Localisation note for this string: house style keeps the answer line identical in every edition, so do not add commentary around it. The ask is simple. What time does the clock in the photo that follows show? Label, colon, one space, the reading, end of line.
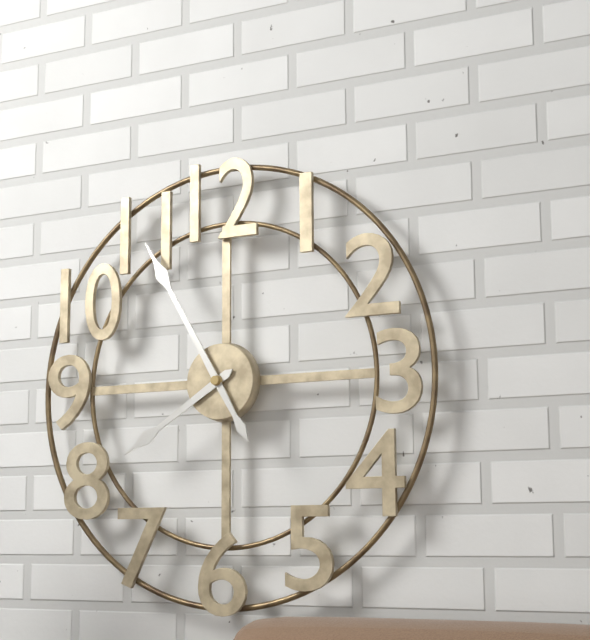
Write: 7:55
